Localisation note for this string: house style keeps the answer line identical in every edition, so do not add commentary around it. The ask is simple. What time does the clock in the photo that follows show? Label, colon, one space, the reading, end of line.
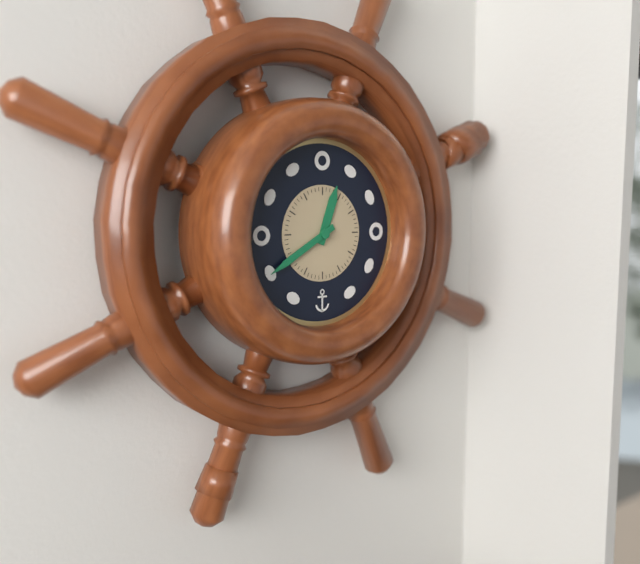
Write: 12:40
